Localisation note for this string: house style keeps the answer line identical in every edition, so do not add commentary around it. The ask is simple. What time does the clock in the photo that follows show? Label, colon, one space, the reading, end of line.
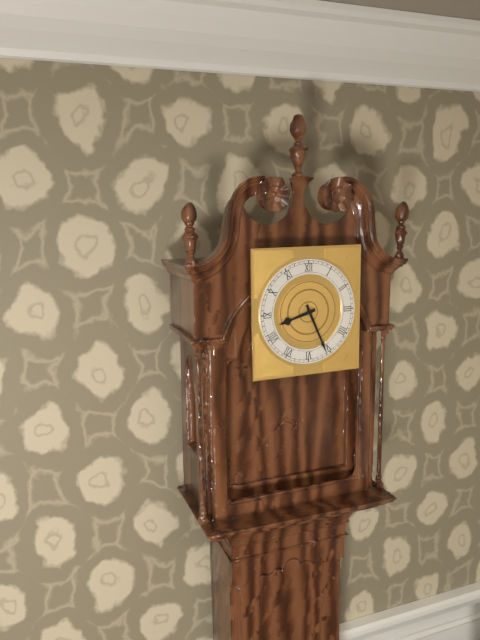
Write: 8:26
